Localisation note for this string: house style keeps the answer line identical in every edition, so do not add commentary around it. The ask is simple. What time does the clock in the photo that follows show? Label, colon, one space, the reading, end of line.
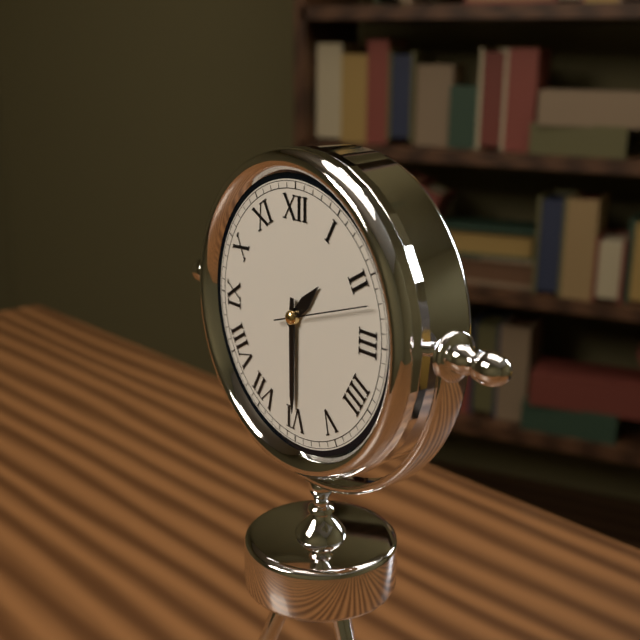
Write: 1:30:12
